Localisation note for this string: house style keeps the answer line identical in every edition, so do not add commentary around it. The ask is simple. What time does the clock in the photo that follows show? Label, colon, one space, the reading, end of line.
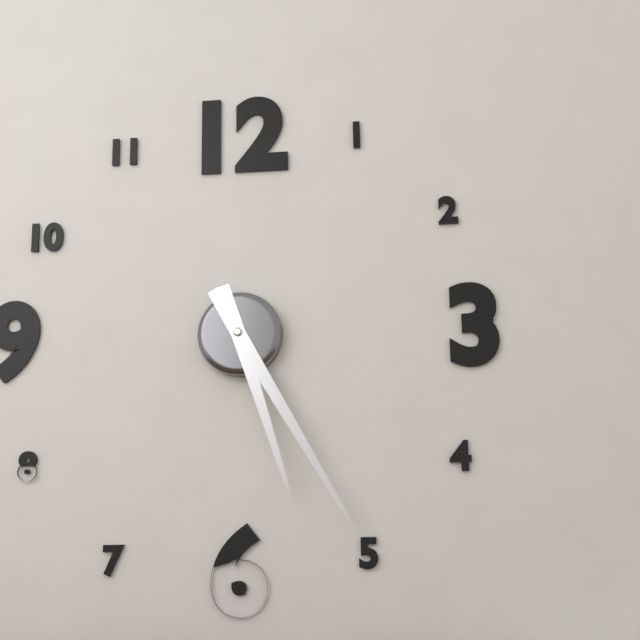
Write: 5:25
